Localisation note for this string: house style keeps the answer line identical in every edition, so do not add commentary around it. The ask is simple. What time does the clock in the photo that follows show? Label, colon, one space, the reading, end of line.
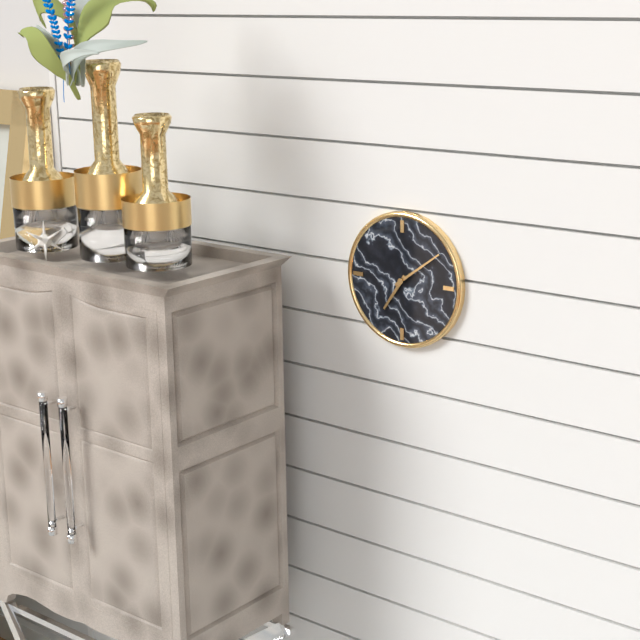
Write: 7:09
